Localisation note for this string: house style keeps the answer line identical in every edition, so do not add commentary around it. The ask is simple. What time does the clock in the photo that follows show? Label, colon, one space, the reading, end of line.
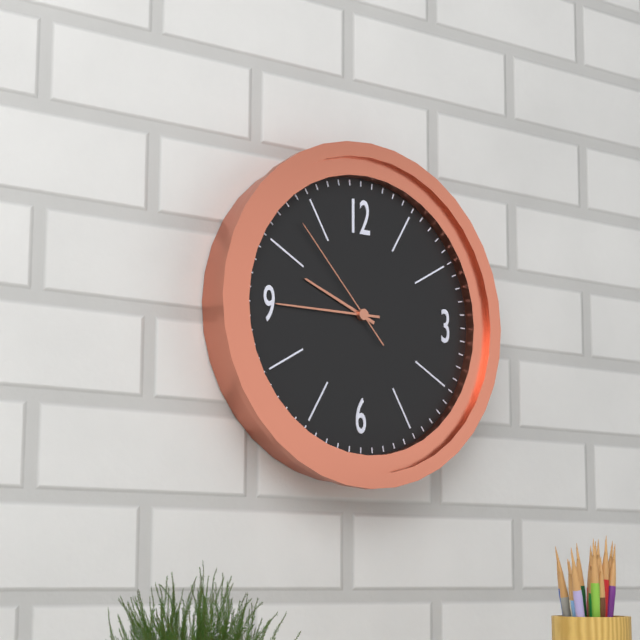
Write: 9:45:53
